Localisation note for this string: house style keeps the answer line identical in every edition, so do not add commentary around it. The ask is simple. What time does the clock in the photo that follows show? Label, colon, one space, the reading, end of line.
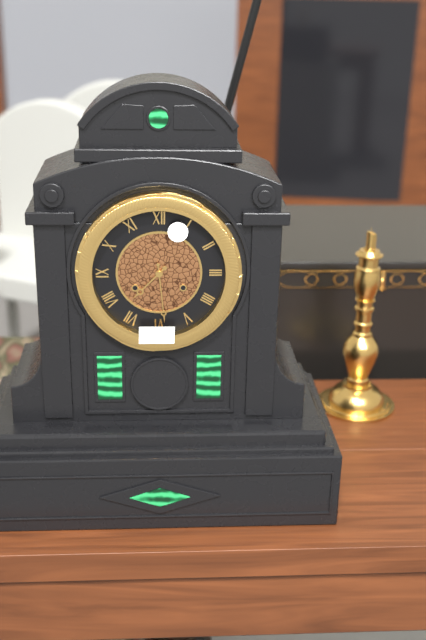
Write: 7:29
